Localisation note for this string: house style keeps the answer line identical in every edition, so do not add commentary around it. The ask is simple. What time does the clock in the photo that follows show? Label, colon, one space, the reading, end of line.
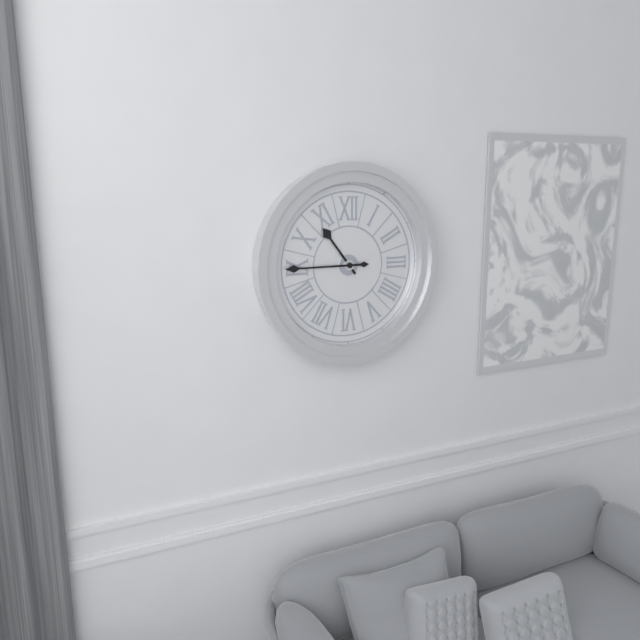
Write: 10:45
